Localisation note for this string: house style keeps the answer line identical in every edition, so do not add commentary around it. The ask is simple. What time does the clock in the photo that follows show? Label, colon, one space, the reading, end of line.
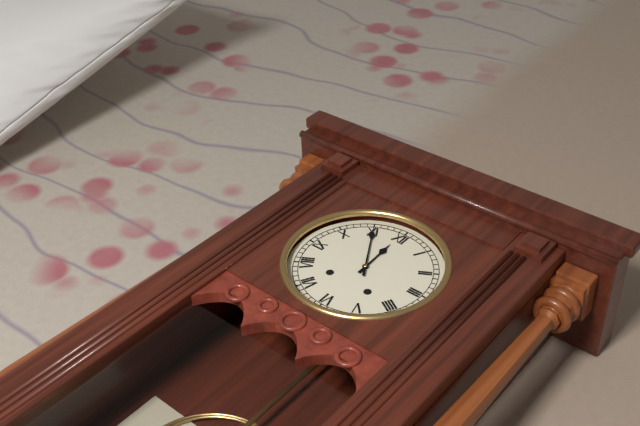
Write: 11:55
